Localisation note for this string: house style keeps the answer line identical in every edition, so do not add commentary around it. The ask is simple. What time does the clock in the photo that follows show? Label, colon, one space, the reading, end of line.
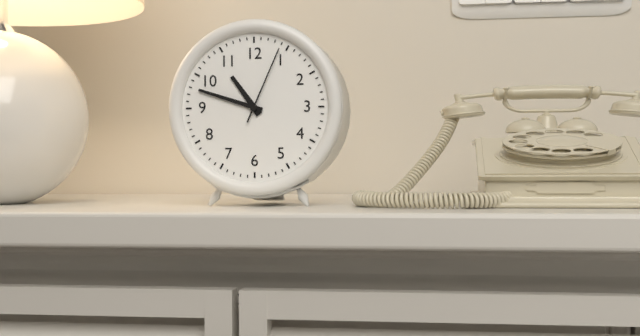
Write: 10:48:04
